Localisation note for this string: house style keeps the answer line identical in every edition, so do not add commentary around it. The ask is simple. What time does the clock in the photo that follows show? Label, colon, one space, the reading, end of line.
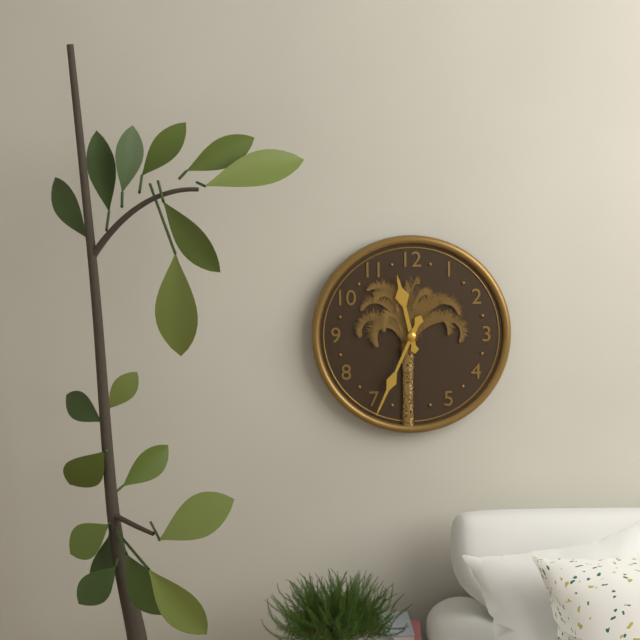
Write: 11:34
